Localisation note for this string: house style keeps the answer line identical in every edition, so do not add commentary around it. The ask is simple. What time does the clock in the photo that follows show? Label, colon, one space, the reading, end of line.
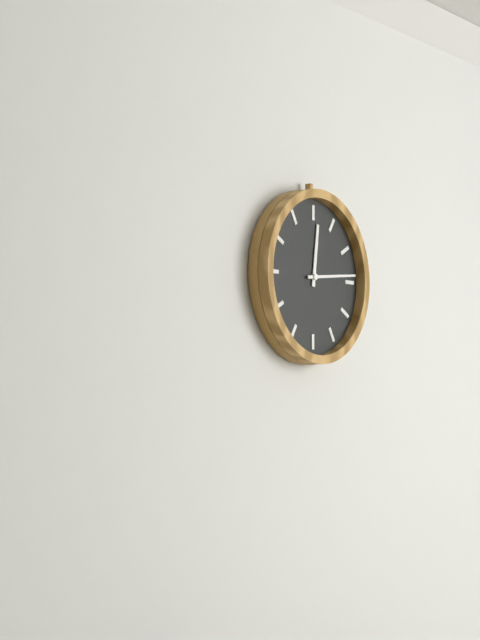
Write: 12:14
